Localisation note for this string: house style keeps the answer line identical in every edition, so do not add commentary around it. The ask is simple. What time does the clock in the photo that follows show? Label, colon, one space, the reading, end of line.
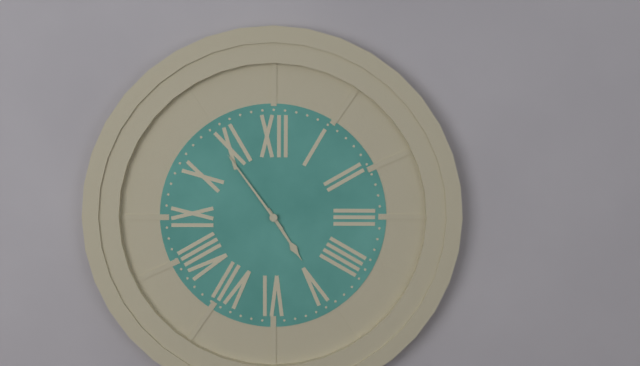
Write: 4:54
